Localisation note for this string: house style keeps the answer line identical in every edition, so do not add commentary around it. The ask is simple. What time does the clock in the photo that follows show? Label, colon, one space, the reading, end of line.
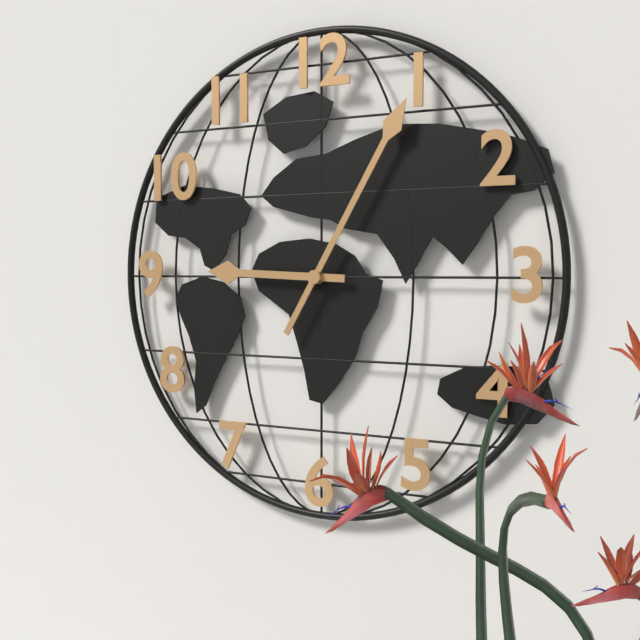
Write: 9:05
